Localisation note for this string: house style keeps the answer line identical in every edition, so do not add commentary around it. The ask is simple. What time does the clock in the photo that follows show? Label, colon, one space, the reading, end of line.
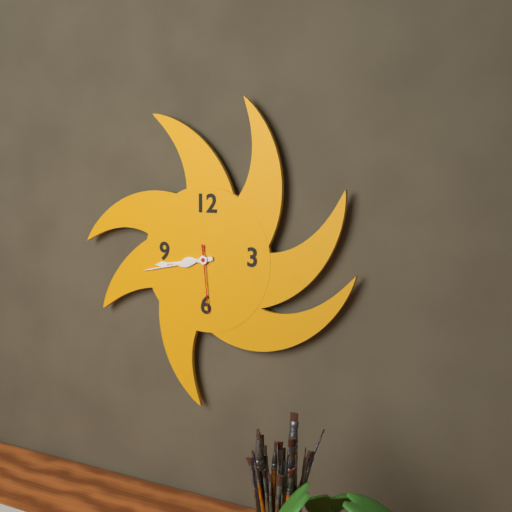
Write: 8:43:29
